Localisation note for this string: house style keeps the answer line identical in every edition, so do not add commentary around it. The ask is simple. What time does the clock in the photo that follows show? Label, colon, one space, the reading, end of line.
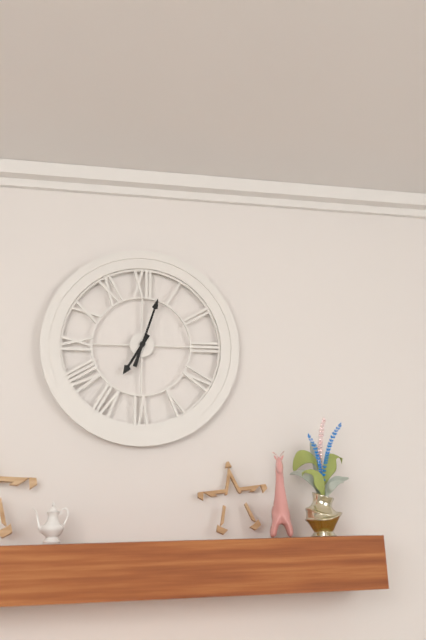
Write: 7:03
